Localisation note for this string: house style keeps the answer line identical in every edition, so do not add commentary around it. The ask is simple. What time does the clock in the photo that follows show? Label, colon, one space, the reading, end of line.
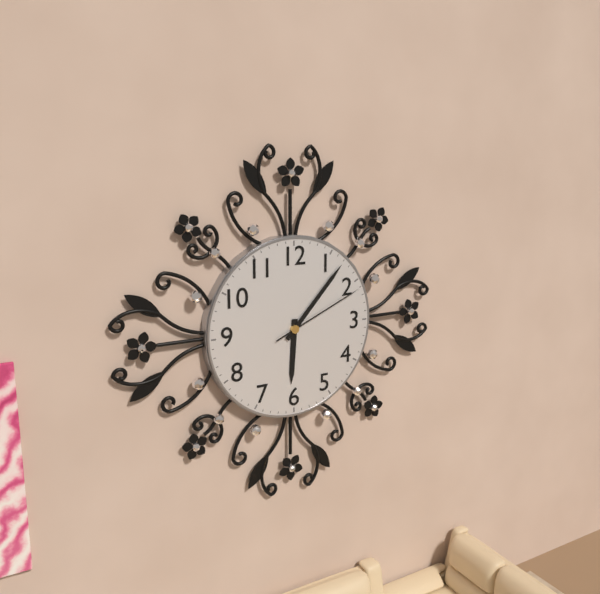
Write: 6:07:11
